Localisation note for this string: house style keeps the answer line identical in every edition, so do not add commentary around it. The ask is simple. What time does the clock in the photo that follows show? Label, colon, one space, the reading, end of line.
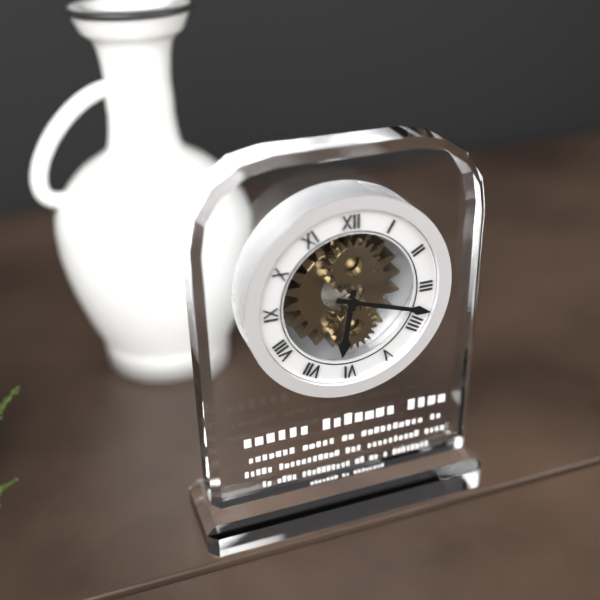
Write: 6:18
